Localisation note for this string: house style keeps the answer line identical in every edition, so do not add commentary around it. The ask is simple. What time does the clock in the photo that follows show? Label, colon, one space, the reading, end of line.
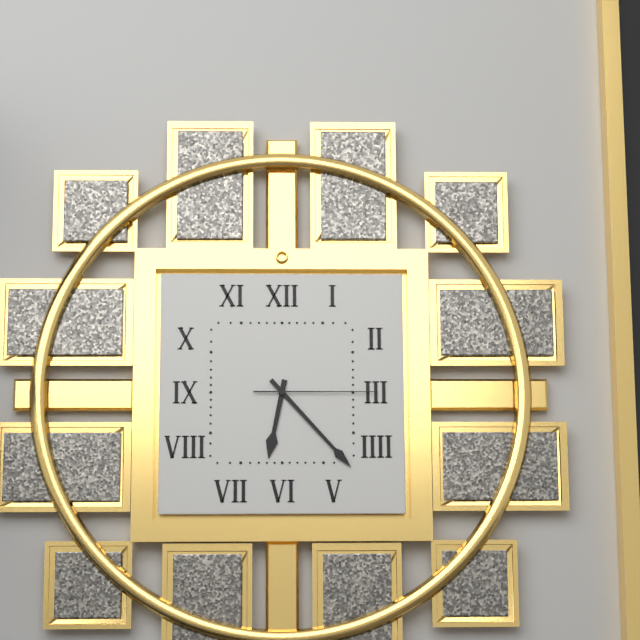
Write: 6:23:15
